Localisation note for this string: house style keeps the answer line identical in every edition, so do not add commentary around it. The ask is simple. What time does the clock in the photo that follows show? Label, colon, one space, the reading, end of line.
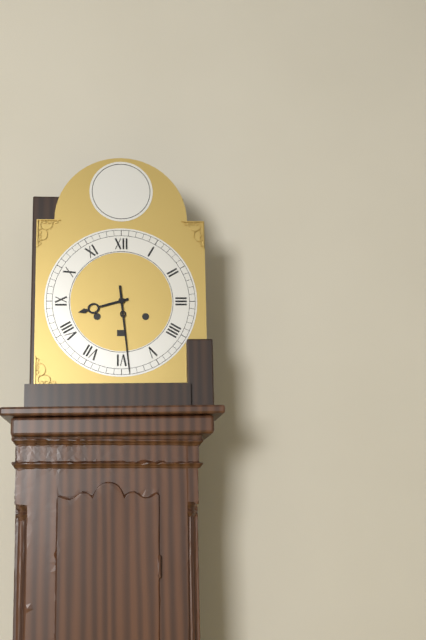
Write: 8:29
